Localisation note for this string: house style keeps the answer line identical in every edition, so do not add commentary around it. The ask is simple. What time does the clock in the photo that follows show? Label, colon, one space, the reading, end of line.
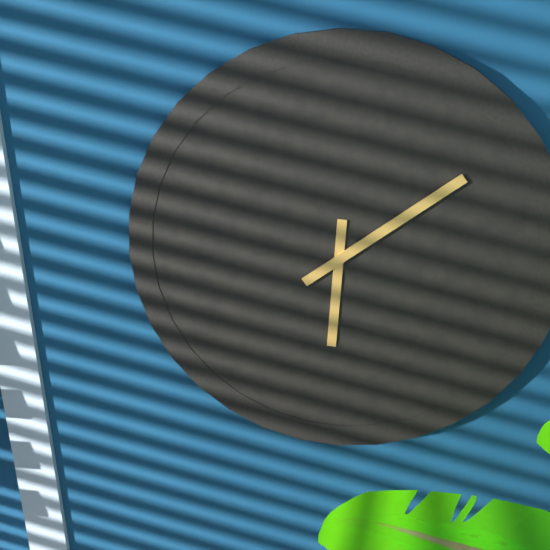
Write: 6:09
